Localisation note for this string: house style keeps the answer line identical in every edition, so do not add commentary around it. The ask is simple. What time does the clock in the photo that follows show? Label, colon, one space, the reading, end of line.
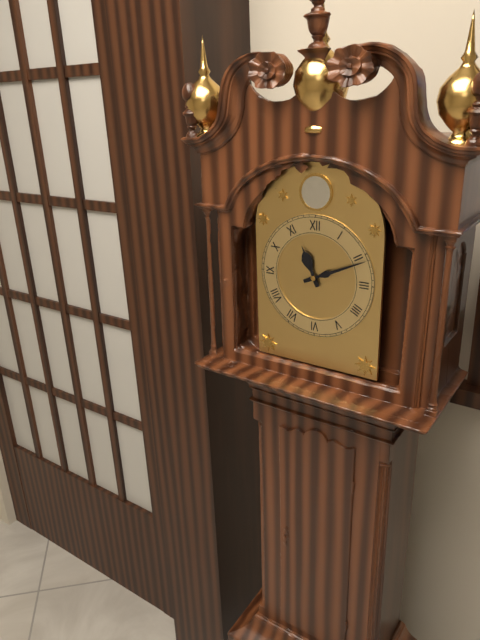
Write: 11:11
